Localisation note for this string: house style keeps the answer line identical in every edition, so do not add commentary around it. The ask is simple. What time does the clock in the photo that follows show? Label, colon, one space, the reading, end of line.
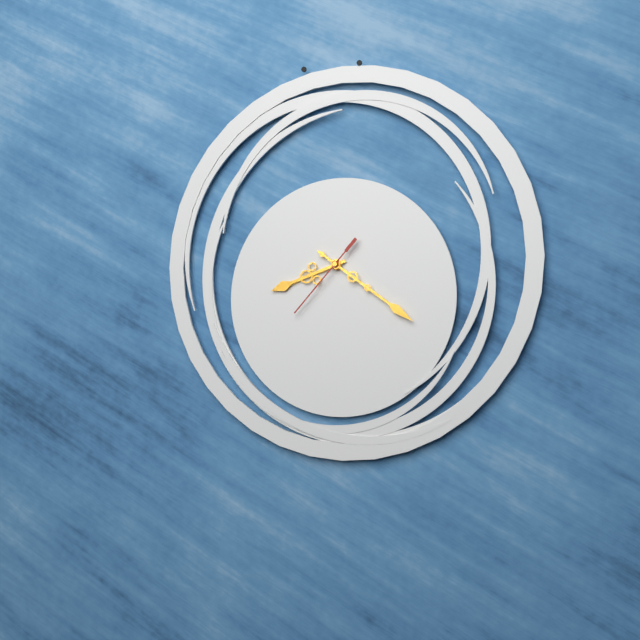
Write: 8:21:37
